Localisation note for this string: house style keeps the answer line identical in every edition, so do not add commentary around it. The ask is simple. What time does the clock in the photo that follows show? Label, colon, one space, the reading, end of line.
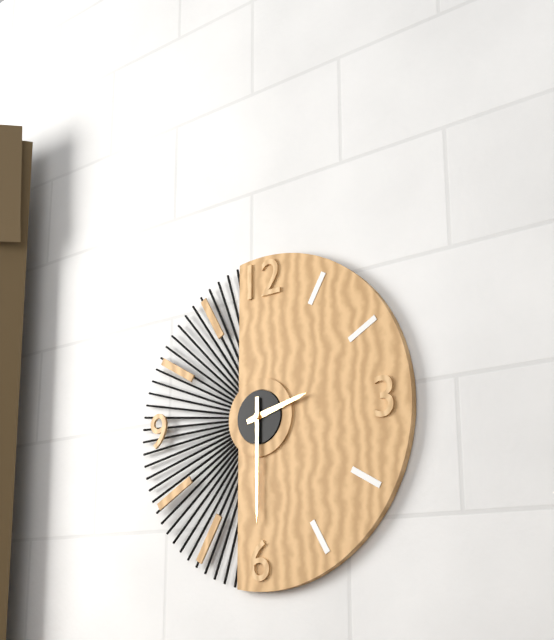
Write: 2:30
